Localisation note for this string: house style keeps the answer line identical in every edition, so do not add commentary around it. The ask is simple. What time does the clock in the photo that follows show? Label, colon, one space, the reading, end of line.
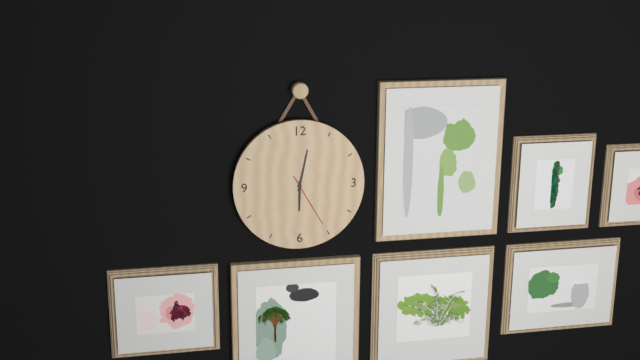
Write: 6:02:25
